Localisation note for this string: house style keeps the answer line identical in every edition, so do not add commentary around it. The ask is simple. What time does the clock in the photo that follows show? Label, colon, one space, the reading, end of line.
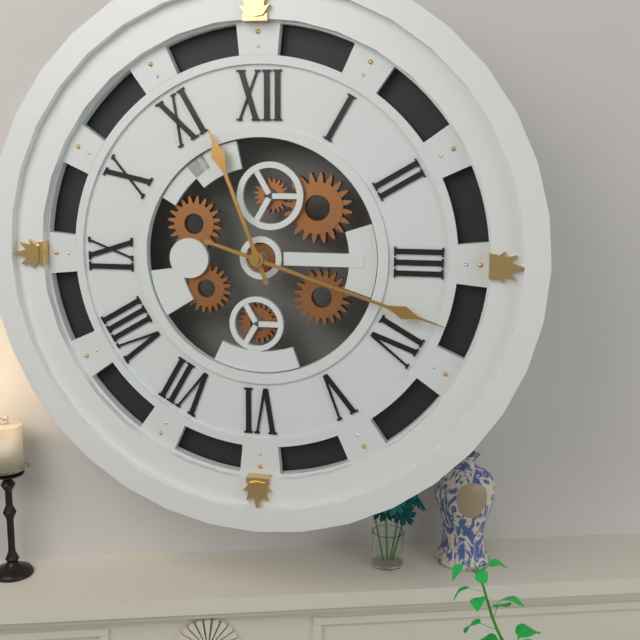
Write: 11:18
